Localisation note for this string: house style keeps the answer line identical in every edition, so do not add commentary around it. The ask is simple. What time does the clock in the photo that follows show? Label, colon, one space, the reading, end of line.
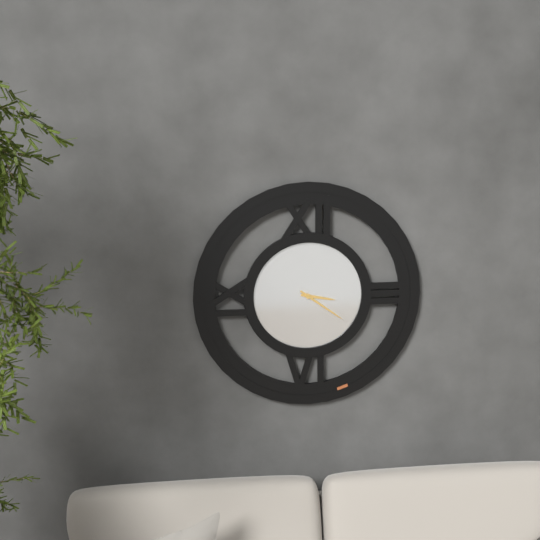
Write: 3:21
